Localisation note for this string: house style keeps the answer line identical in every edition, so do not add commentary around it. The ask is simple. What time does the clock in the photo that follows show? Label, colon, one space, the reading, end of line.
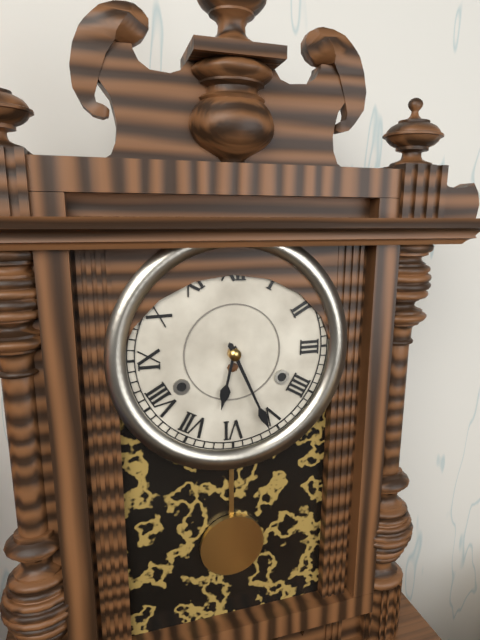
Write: 6:26
